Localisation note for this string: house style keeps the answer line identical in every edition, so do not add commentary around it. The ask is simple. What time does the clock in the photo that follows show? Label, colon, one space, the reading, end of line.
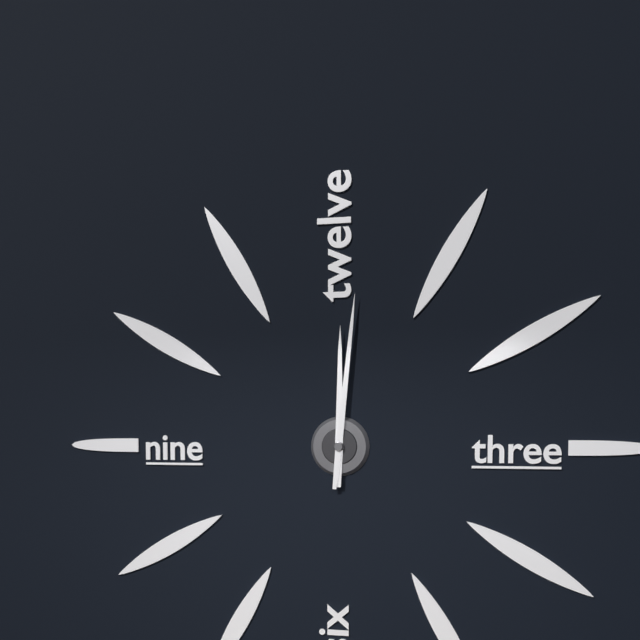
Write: 12:01
